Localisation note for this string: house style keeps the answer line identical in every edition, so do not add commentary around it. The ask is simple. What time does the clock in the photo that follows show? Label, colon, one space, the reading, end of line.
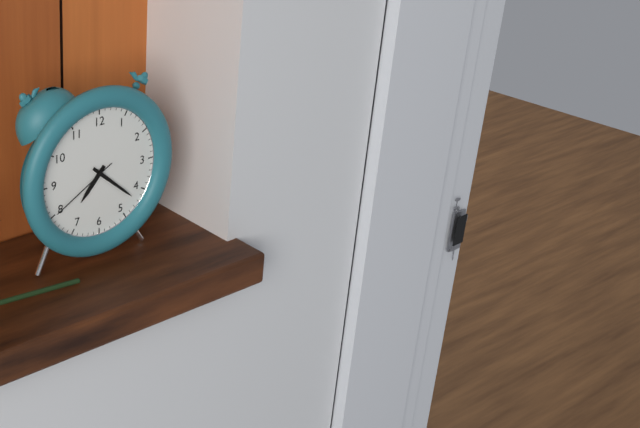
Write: 7:22:40
